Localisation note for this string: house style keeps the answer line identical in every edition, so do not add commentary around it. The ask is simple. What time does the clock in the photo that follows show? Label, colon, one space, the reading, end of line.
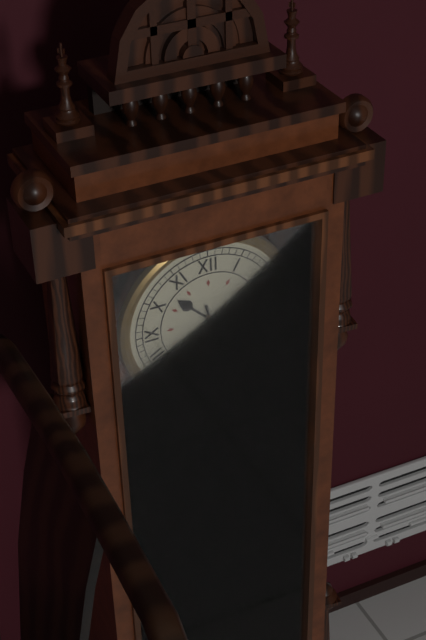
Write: 10:28
